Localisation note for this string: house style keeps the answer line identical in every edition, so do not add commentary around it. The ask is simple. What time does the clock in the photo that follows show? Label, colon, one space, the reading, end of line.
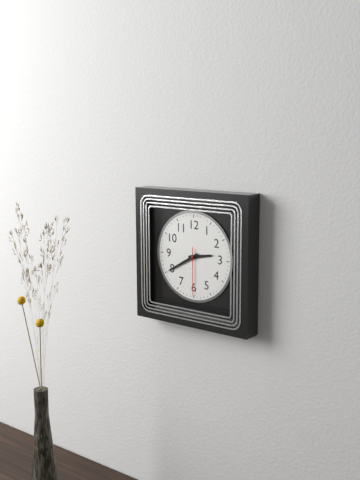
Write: 2:40
